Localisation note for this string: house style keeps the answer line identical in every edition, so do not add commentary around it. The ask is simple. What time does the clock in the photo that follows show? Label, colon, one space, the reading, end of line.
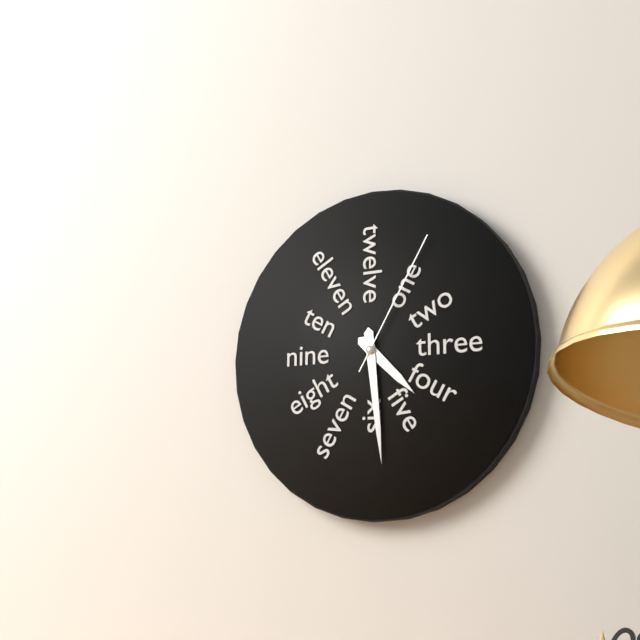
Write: 4:29:05
